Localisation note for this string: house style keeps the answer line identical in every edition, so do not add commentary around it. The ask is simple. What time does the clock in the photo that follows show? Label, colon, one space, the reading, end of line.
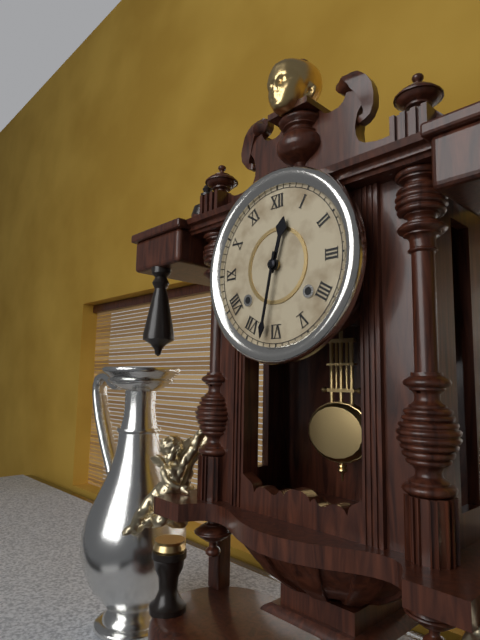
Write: 12:32
